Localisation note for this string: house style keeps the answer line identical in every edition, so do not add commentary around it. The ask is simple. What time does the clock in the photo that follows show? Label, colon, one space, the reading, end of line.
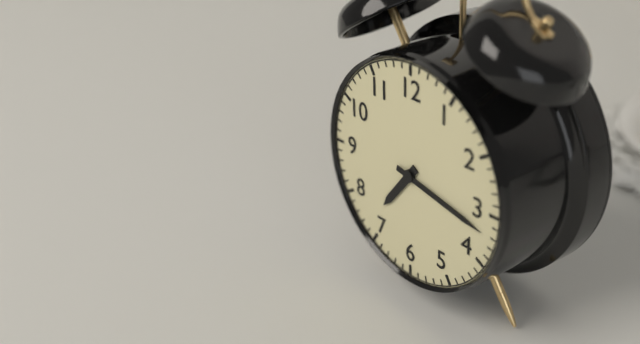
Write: 7:17
